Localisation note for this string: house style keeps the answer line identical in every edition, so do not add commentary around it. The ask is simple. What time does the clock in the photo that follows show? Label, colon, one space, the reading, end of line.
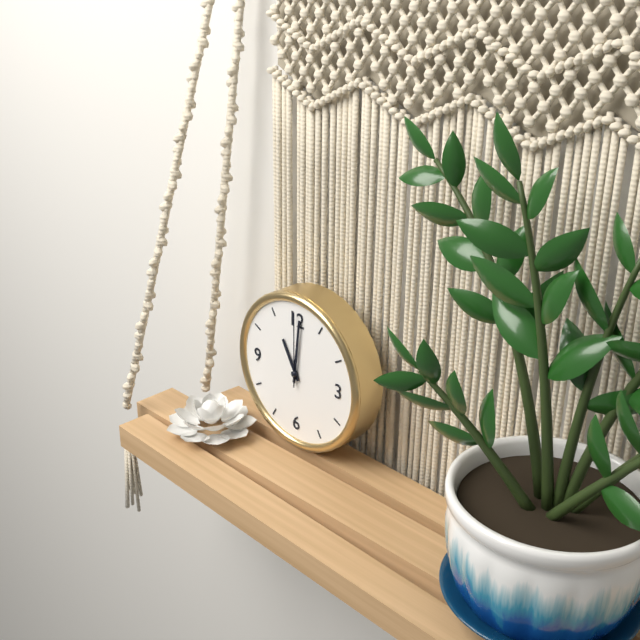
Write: 11:01:00
